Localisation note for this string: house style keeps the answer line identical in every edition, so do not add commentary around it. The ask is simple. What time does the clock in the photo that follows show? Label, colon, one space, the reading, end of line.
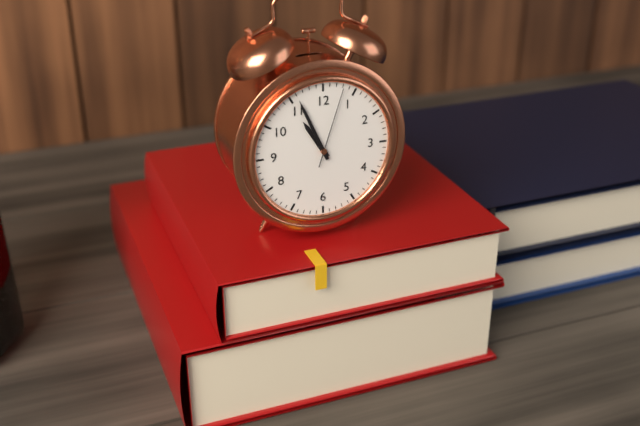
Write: 10:56:03
